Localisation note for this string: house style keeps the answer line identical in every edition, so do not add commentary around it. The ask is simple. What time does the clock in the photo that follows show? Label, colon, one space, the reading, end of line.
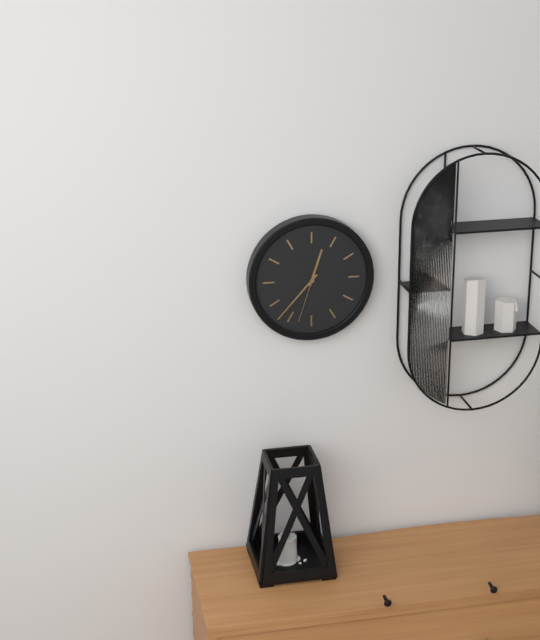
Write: 12:37:33
